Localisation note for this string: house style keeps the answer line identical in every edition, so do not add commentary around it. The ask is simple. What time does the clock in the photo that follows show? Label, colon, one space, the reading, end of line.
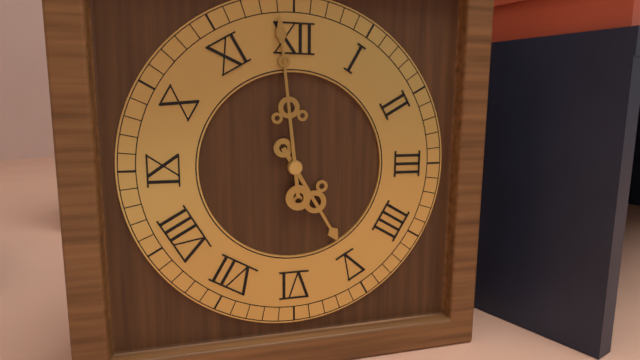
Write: 4:59
